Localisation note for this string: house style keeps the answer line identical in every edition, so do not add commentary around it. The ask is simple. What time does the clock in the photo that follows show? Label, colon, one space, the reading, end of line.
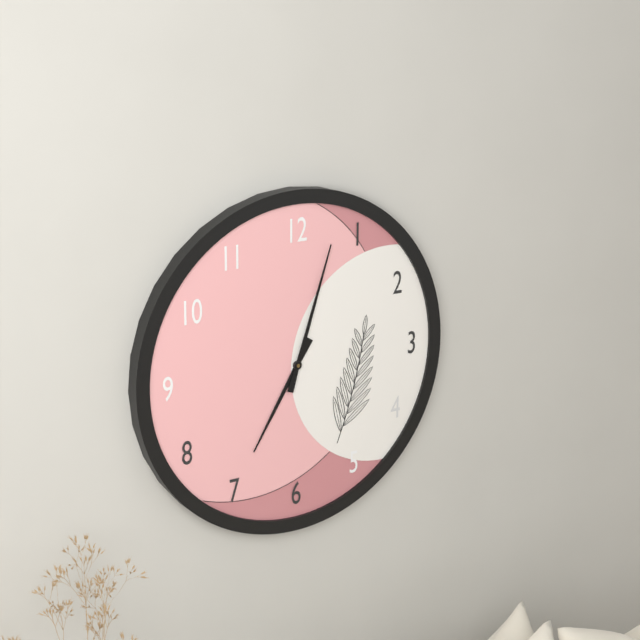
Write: 7:03
